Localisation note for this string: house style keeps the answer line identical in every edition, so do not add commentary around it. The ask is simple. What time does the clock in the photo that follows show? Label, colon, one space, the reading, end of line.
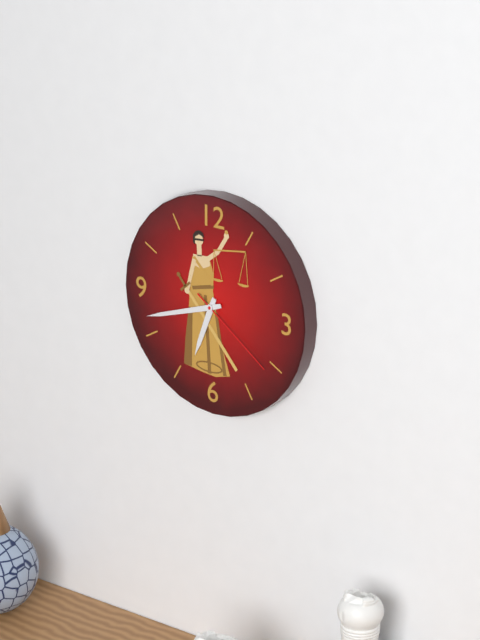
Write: 6:42:21
